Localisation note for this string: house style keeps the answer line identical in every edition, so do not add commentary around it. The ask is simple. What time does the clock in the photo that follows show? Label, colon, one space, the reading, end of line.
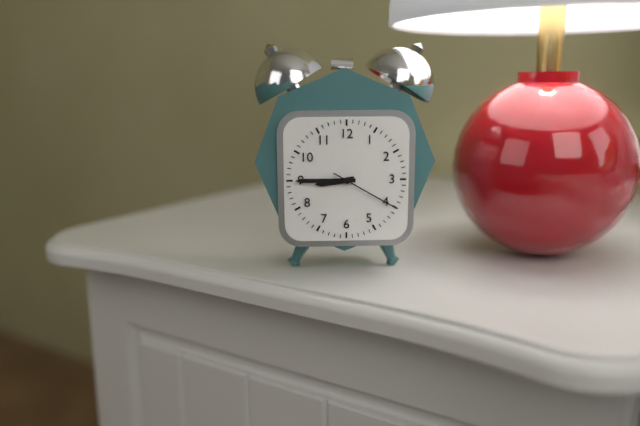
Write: 8:45:20
